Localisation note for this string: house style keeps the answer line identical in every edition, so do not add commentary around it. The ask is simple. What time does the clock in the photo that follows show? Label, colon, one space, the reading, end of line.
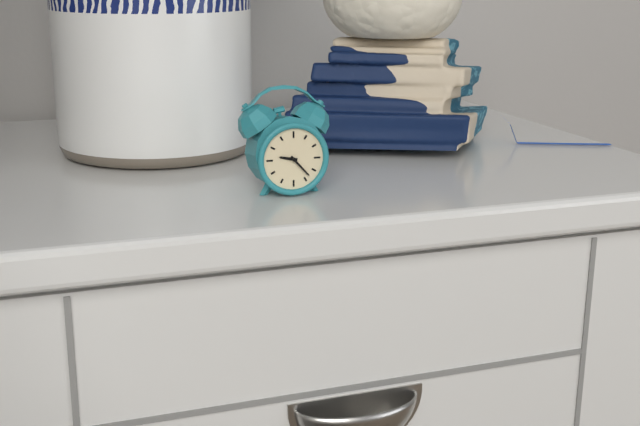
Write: 9:23
